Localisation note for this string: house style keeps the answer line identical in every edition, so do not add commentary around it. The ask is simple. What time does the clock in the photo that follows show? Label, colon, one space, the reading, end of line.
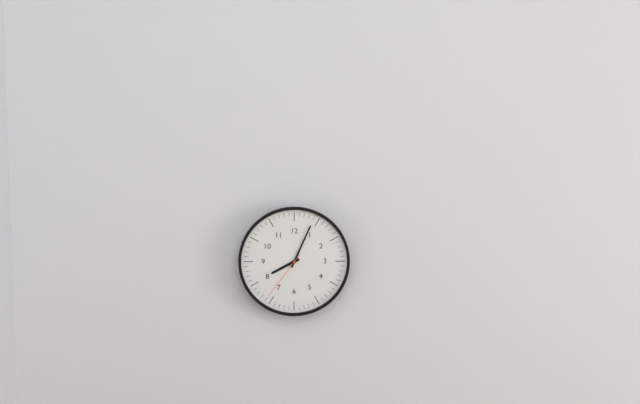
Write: 8:04:36
